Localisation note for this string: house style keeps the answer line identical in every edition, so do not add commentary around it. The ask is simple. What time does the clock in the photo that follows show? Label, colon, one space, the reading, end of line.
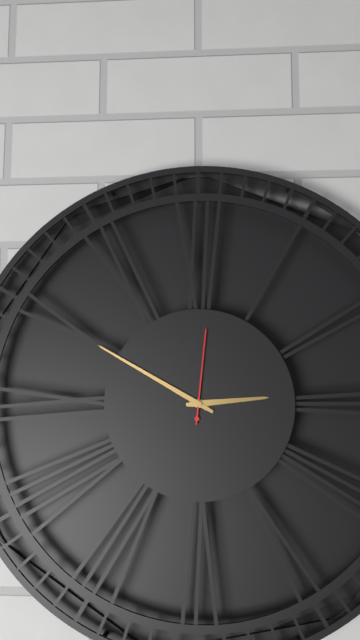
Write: 2:50:01
